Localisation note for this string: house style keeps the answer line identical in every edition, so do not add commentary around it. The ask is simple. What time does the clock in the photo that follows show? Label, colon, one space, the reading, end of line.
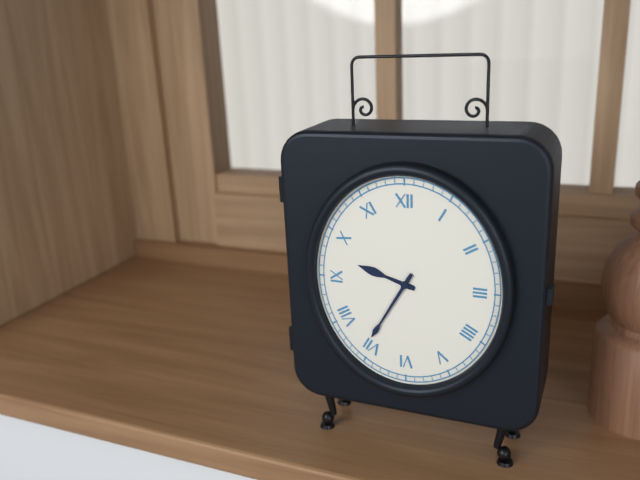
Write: 9:35
